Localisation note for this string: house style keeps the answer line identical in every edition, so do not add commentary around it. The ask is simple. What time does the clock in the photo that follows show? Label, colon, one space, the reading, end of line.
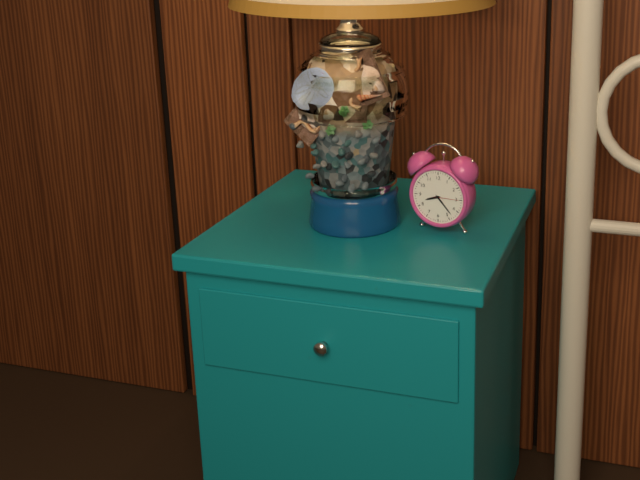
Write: 8:23
